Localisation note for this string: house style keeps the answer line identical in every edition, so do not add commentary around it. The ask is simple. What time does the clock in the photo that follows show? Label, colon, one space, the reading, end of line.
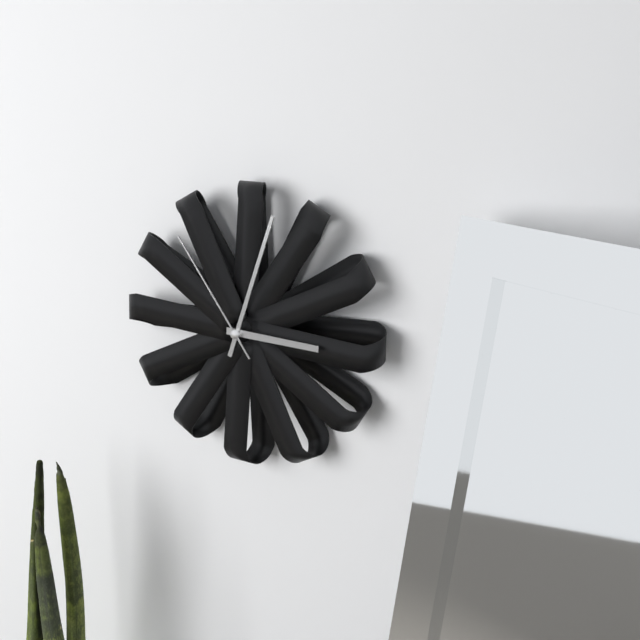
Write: 3:03:54
